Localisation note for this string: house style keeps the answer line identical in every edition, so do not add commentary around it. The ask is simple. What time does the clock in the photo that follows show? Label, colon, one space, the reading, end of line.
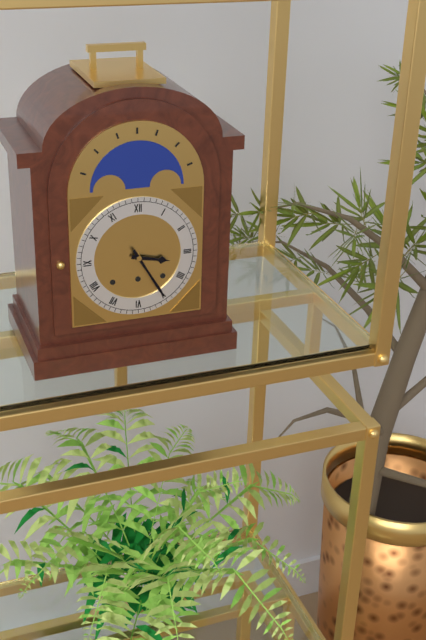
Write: 3:25
